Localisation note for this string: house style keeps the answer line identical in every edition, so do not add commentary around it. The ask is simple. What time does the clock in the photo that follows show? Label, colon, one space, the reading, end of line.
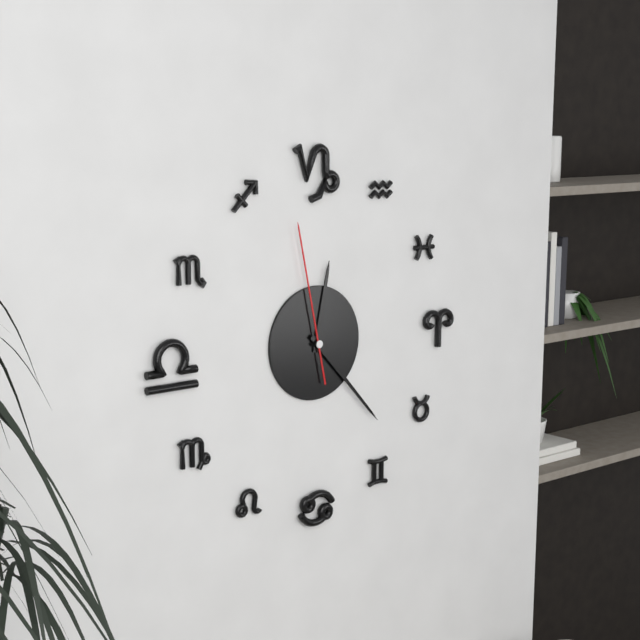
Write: 12:23:58
